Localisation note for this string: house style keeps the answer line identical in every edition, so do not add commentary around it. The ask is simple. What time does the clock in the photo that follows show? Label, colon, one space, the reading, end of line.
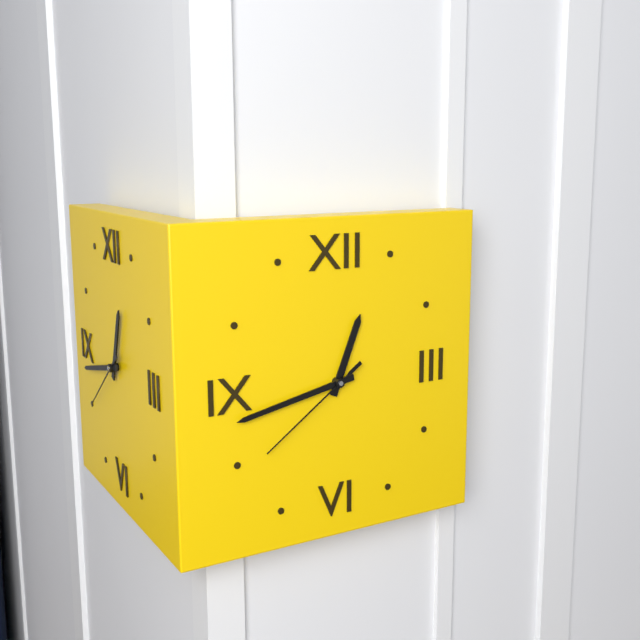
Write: 12:43:39
